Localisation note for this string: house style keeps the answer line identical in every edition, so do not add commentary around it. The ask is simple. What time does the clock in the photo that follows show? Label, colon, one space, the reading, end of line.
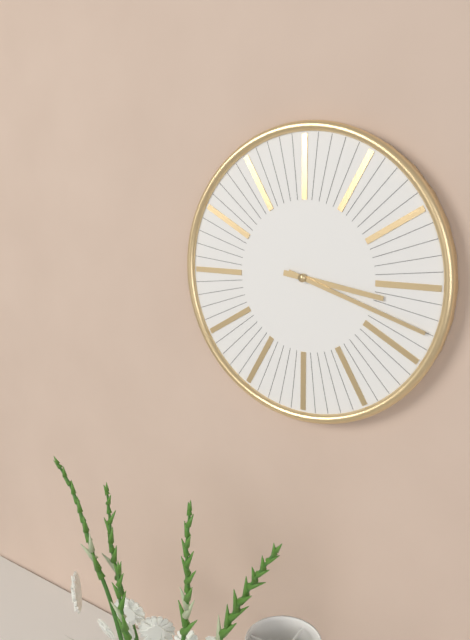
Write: 3:18
